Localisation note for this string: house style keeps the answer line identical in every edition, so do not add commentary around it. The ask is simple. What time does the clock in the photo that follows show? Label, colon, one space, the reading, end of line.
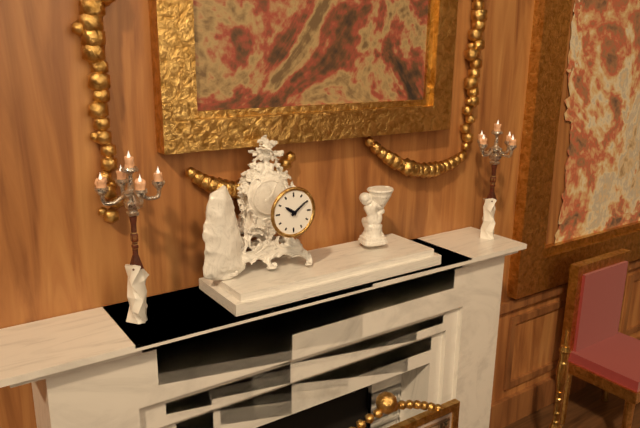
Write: 10:09
